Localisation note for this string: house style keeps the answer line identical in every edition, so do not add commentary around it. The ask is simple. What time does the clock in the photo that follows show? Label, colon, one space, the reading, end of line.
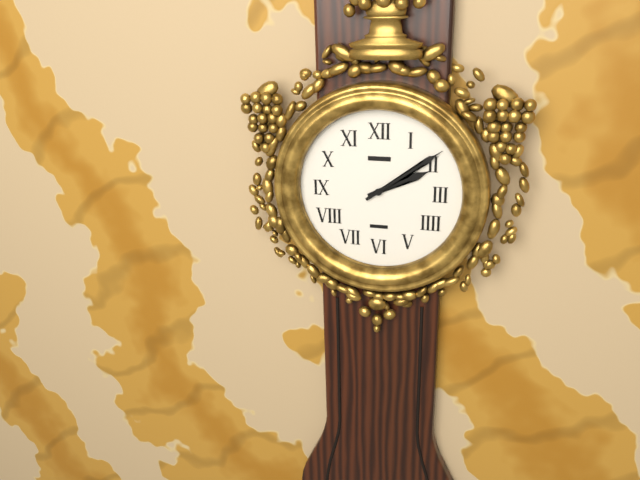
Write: 2:09
